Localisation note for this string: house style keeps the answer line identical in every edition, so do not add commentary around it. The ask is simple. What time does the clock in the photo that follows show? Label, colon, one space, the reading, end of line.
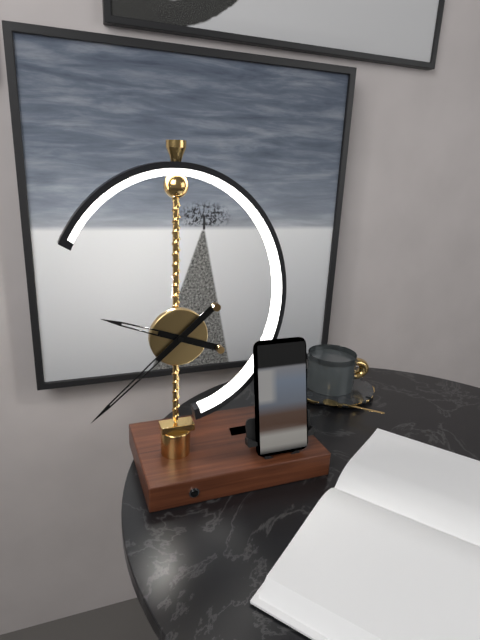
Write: 9:38
